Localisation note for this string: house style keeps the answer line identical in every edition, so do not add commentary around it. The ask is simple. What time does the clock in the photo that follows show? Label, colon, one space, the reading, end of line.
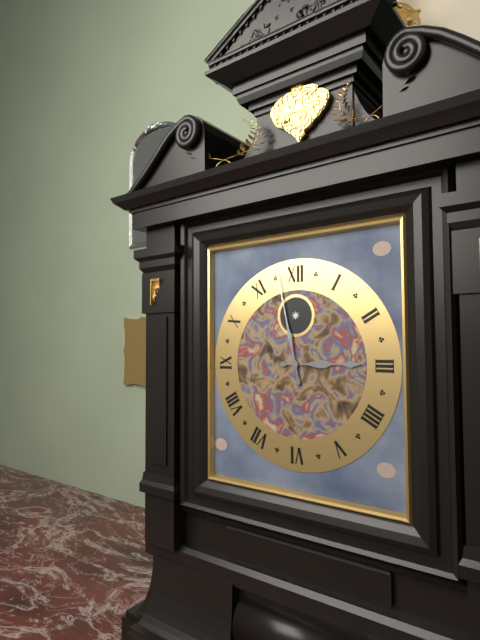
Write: 2:58
